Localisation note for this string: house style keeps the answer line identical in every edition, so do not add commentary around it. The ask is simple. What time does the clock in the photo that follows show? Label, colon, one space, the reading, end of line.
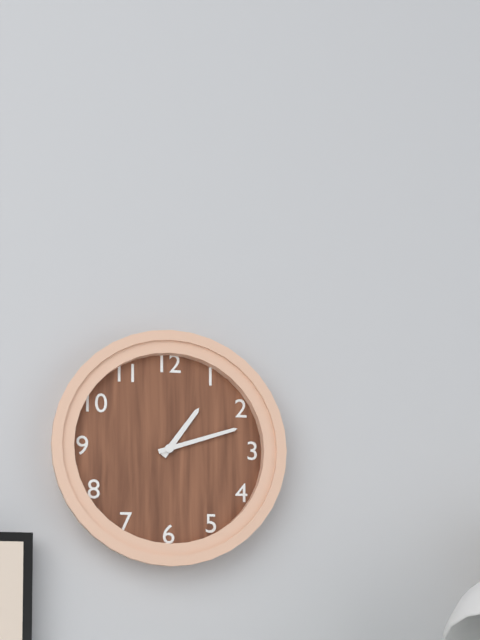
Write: 1:12
